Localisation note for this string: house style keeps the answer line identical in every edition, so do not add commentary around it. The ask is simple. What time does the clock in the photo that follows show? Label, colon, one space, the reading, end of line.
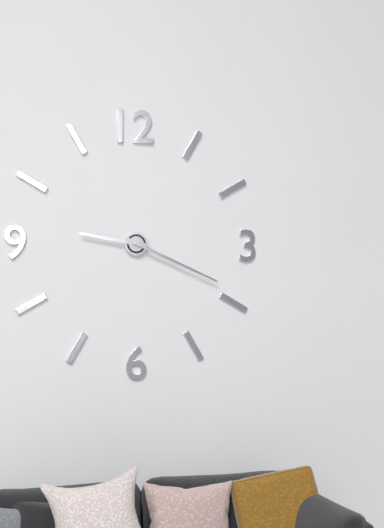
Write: 9:19
